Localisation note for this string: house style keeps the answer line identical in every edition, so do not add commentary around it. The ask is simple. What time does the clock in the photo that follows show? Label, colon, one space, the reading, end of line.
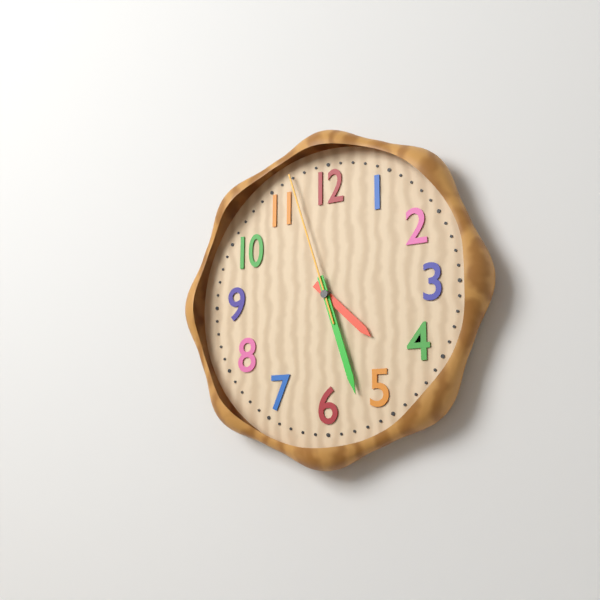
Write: 4:27:57
